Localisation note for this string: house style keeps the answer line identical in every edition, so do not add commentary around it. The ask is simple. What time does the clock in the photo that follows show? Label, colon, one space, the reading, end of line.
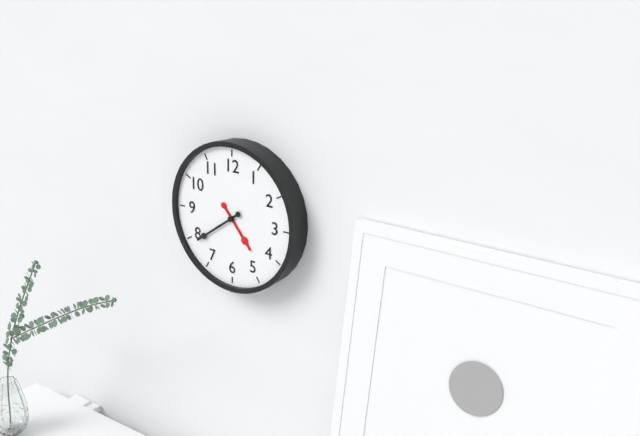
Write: 4:39
